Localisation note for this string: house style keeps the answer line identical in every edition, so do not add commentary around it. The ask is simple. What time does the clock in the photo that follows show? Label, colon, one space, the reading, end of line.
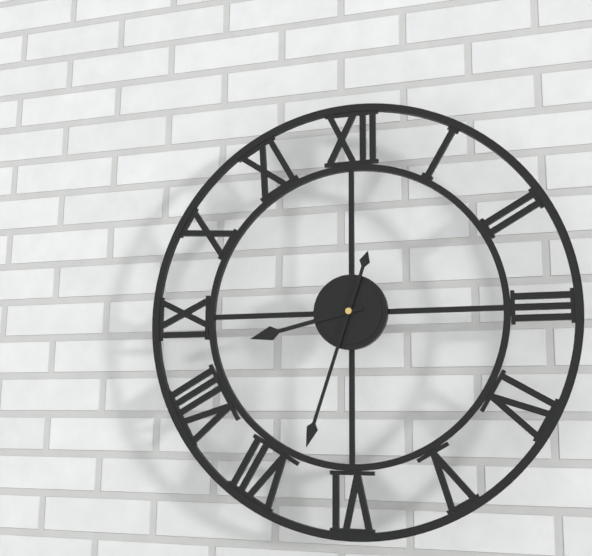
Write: 8:33
